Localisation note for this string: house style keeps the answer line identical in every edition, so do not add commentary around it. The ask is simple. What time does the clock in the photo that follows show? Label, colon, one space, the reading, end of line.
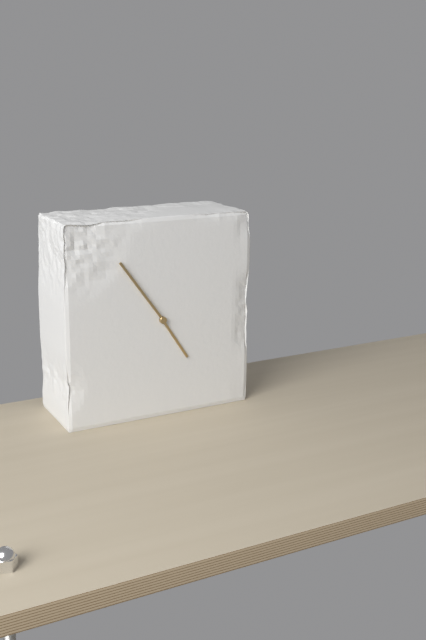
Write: 4:54
